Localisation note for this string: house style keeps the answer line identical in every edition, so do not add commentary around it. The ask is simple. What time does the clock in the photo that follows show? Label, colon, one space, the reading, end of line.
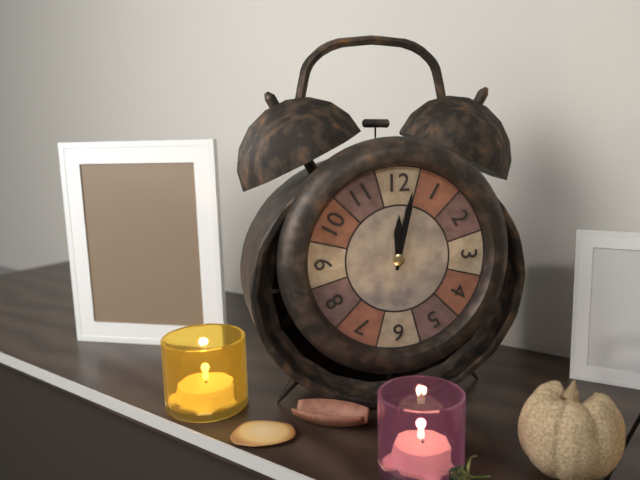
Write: 12:02
